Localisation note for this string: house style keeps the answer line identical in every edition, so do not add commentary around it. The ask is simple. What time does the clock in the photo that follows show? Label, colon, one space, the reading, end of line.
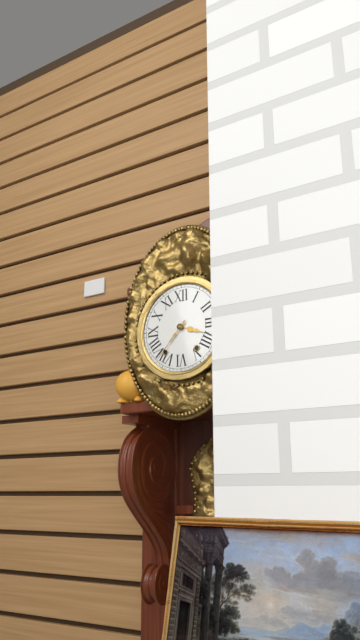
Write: 3:37
